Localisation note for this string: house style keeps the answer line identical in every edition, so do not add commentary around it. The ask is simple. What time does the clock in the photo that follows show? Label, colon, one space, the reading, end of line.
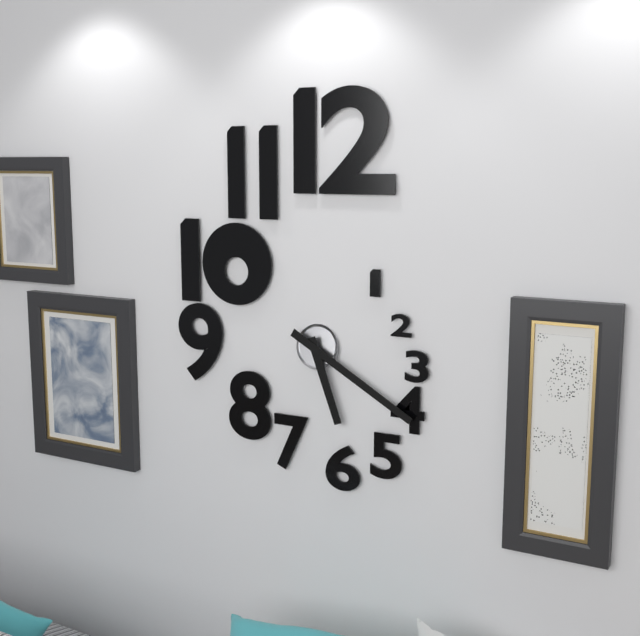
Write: 5:20
